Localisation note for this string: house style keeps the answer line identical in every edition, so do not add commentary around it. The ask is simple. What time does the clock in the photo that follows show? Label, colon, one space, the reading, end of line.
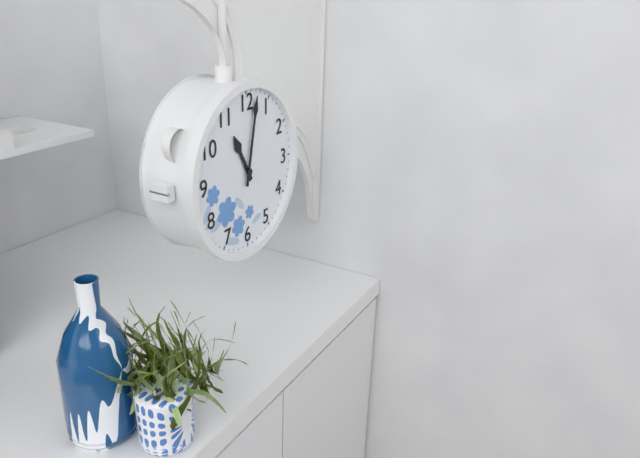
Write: 11:02
